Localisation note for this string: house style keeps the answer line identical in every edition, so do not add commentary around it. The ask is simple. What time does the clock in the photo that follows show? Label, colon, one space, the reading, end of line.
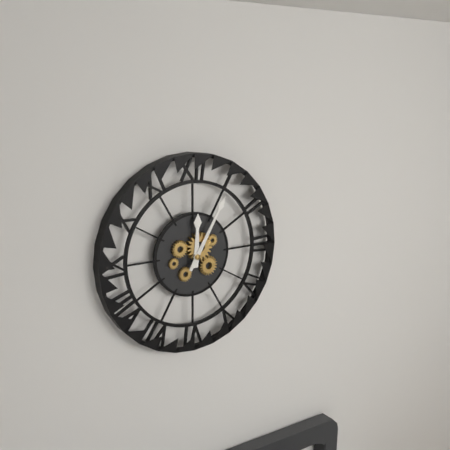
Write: 12:05
